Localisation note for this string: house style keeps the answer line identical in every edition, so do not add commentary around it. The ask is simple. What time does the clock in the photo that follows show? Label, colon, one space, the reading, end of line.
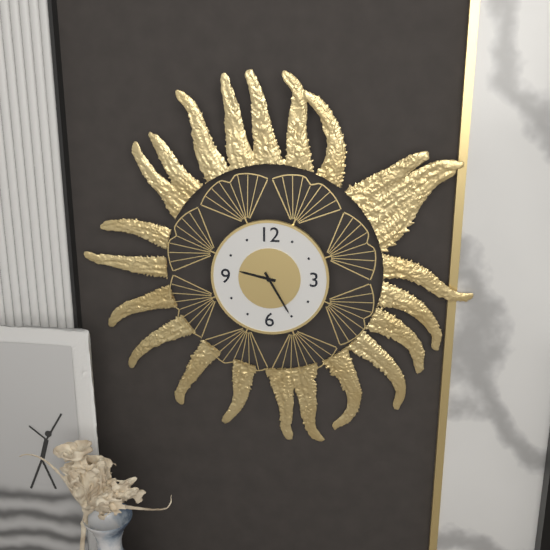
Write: 9:25
